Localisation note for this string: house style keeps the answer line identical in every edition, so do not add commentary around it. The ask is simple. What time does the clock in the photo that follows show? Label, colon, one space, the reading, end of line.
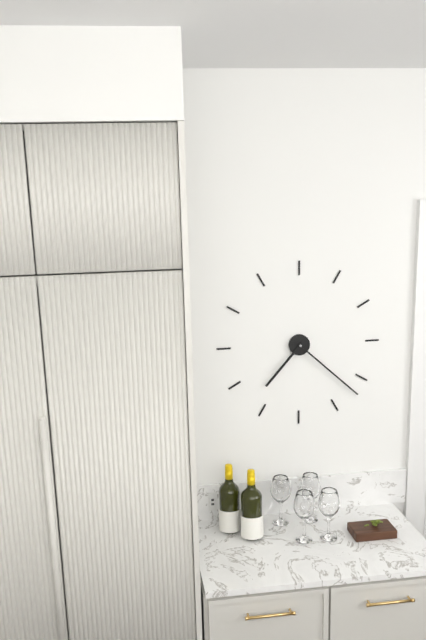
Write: 7:22
